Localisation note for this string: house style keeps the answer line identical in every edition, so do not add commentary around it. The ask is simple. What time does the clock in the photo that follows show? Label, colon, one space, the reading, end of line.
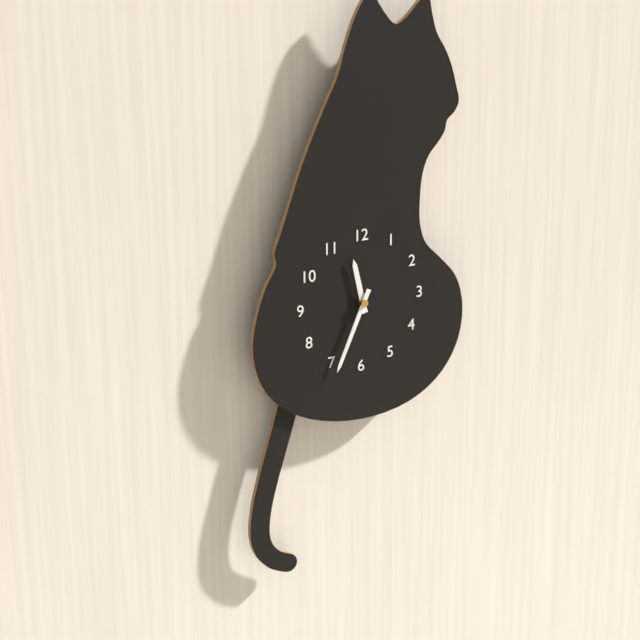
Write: 11:34
